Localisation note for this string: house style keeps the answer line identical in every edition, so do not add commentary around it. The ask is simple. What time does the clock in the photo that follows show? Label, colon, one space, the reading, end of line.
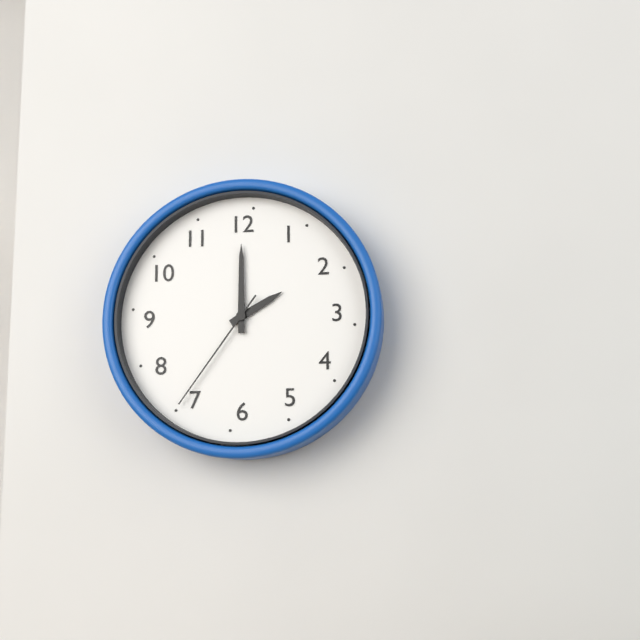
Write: 2:00:36
